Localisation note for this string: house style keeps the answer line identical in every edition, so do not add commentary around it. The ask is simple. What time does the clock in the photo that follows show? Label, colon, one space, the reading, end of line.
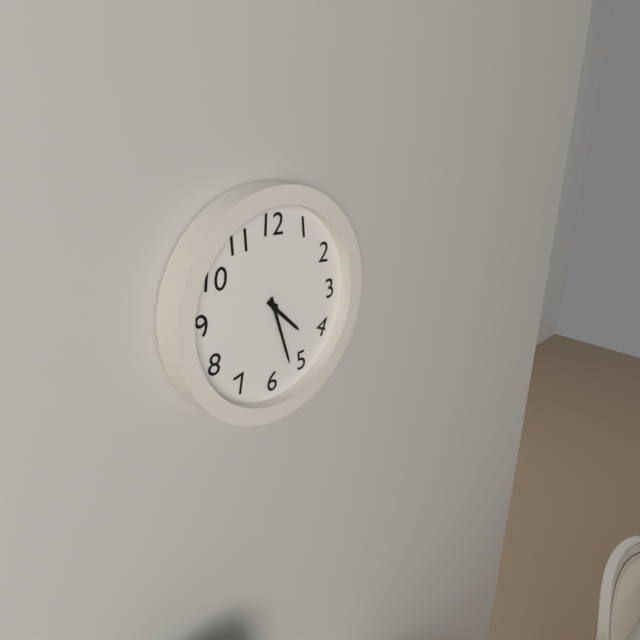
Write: 4:27
